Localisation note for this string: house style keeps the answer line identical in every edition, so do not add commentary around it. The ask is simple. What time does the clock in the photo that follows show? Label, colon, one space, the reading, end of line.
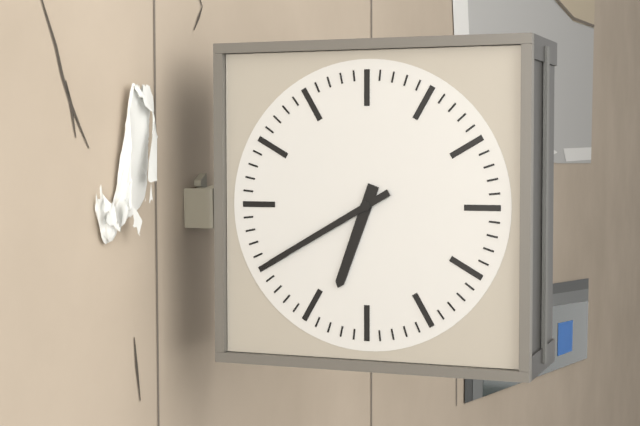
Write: 6:40
